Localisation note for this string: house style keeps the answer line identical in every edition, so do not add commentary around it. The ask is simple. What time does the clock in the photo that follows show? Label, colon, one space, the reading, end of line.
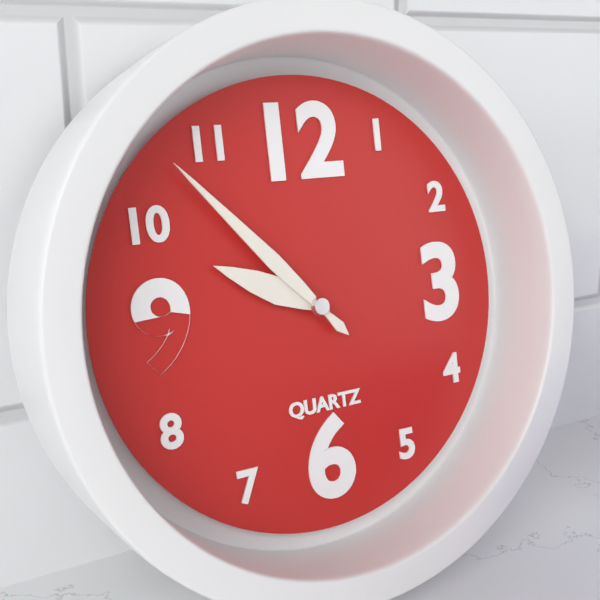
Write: 9:53
